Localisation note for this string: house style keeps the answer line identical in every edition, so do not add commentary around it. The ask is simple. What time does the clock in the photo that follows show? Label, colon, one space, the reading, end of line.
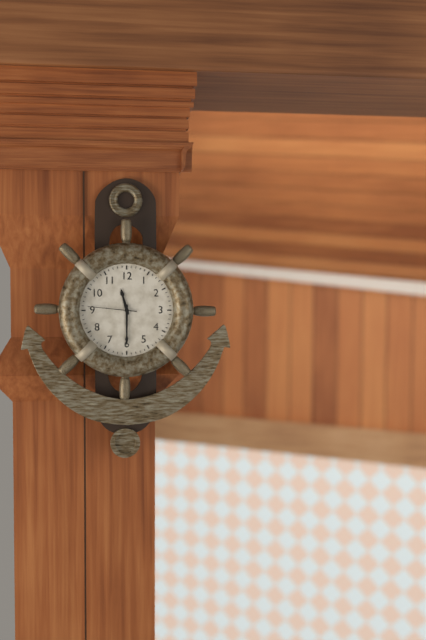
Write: 11:30
